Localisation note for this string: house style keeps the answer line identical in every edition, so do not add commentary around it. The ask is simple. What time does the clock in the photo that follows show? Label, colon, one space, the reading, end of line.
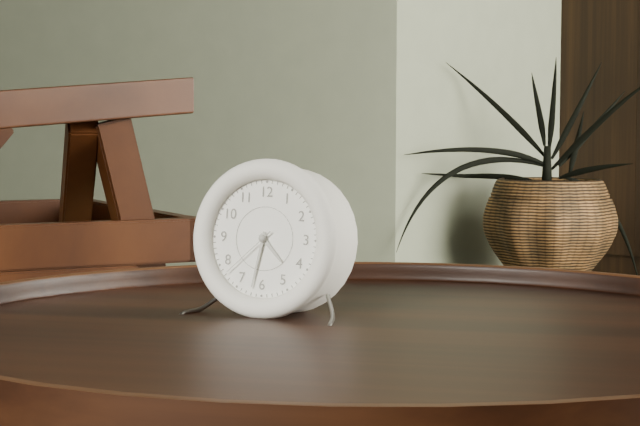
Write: 4:32:38
